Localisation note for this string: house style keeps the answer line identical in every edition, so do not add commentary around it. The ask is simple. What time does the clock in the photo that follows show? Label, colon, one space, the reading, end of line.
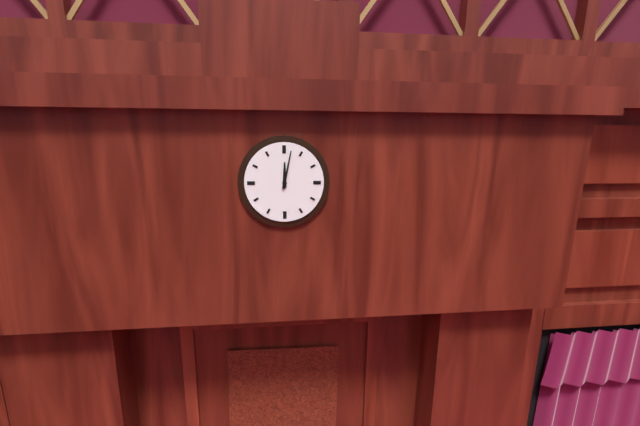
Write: 12:02
